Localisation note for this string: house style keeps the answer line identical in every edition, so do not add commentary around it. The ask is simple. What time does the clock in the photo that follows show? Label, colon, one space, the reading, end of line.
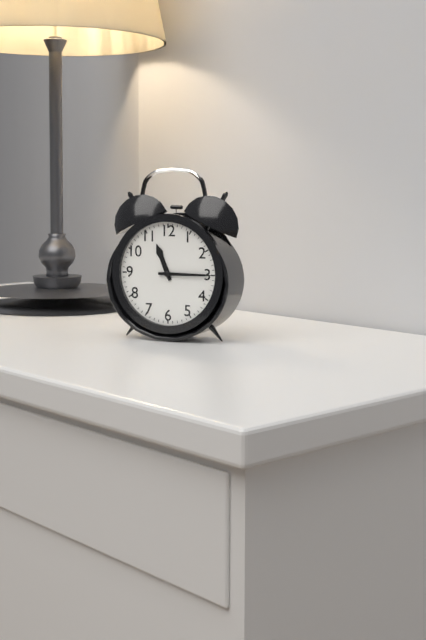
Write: 11:15
